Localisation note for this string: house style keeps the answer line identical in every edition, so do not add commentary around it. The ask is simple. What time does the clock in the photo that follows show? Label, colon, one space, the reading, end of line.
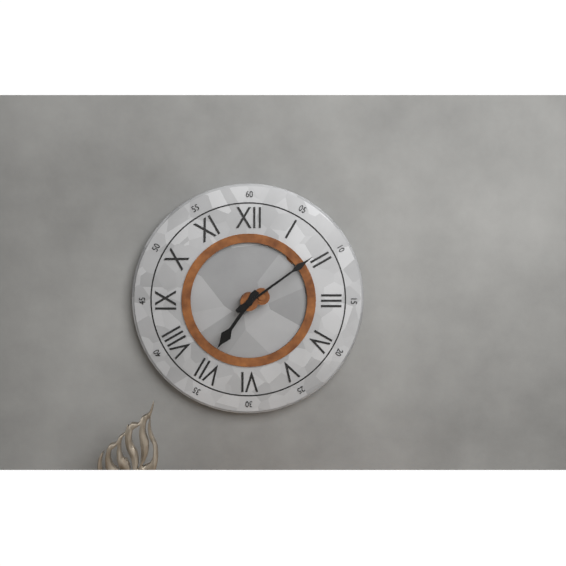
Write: 7:09
